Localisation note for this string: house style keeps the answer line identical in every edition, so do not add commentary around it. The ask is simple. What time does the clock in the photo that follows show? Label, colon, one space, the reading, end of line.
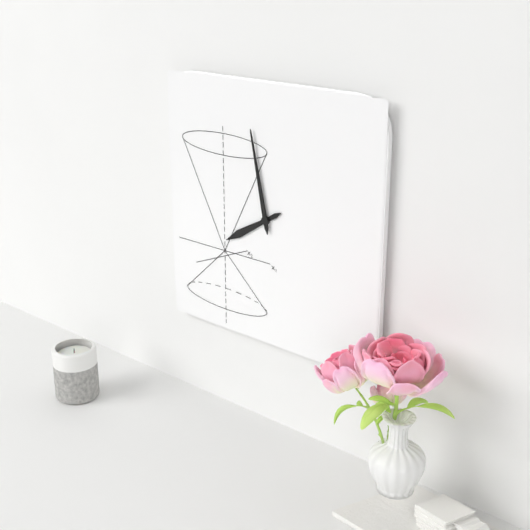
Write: 7:58
